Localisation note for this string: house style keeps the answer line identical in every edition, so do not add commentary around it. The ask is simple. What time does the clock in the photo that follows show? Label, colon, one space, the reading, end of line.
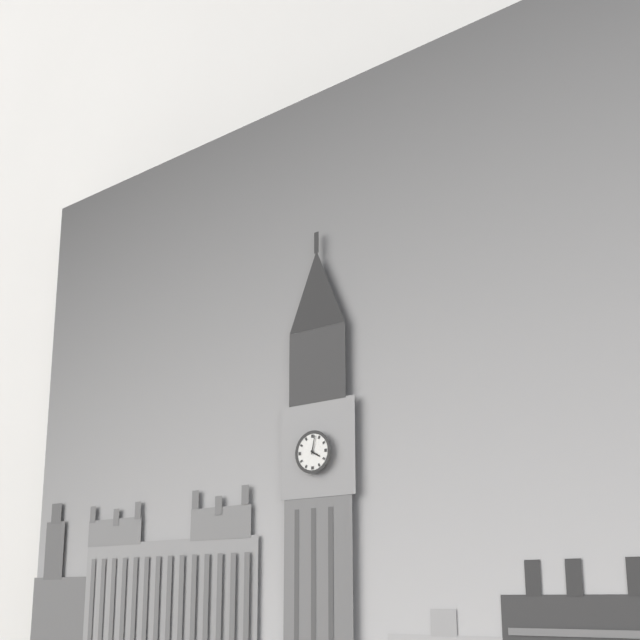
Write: 4:02
